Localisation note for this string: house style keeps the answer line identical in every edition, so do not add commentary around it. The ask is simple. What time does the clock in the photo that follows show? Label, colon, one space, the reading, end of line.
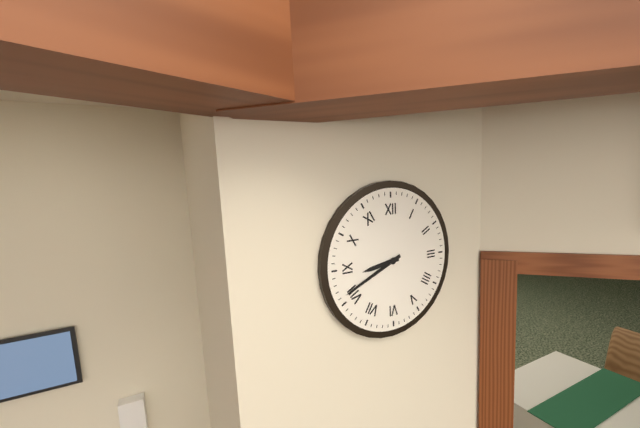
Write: 8:41
